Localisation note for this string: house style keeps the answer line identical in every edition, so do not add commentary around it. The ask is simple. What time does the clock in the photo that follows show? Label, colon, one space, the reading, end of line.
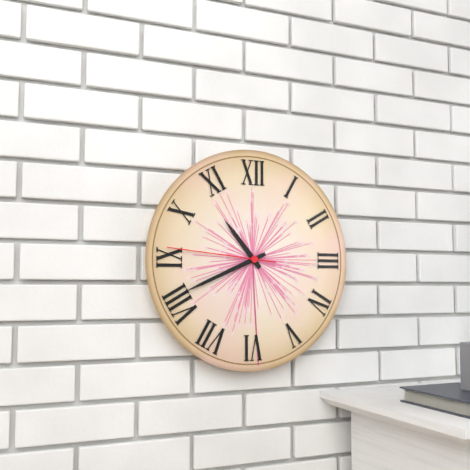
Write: 10:41:46
